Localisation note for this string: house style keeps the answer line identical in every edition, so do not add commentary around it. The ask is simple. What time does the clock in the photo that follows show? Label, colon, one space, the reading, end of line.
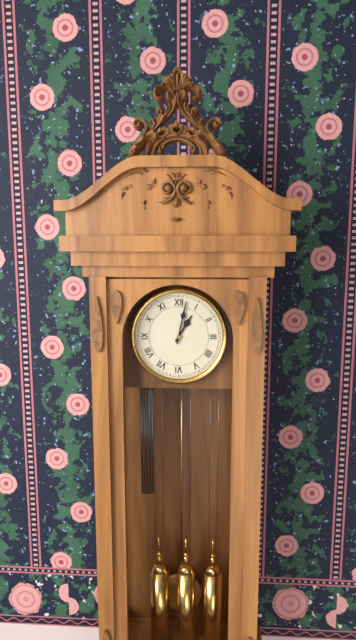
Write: 1:02
